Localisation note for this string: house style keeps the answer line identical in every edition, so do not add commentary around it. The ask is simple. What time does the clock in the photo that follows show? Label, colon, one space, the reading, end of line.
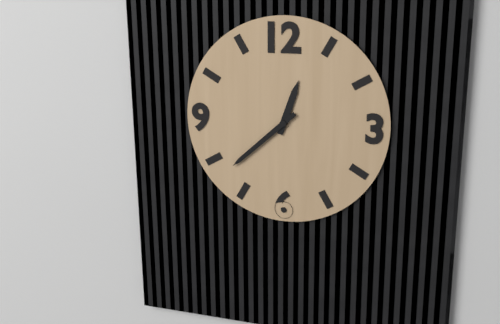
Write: 12:38
